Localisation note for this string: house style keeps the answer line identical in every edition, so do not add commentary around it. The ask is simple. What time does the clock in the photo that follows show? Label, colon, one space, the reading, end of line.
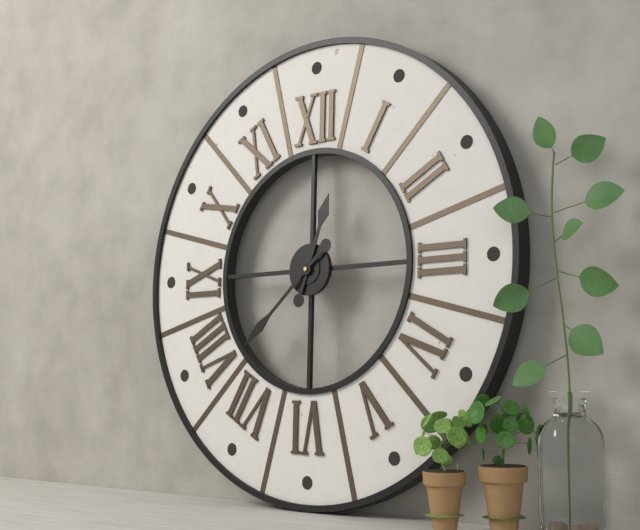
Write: 12:38
